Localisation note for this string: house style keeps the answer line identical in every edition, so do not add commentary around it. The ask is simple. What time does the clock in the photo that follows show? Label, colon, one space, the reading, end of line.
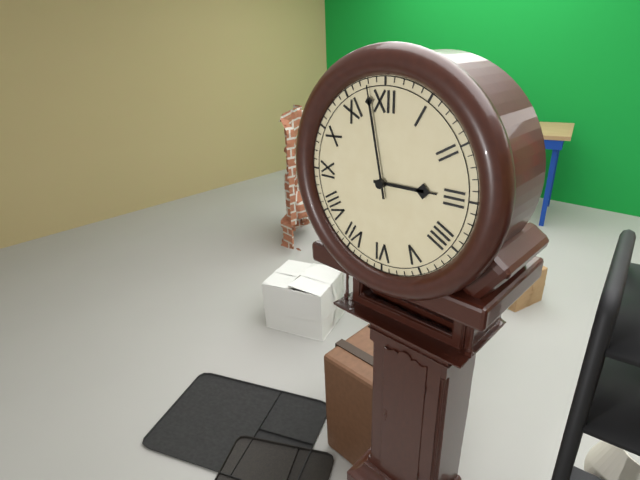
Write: 2:58
